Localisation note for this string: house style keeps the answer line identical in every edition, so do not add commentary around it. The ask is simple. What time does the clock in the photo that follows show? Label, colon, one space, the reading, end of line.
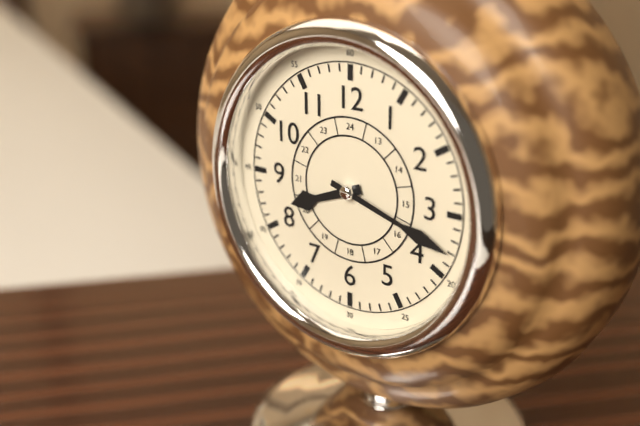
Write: 8:18
